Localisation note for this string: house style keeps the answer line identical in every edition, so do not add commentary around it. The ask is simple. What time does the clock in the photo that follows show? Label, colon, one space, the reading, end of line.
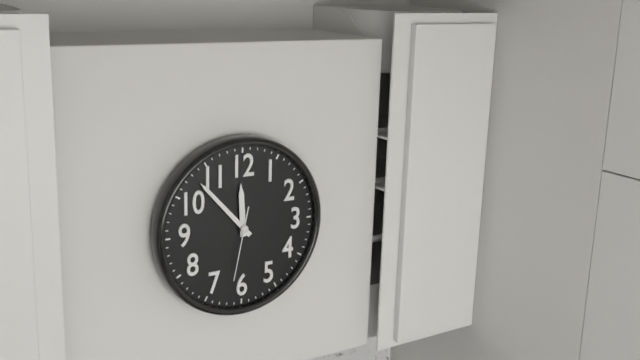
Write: 11:53:32
